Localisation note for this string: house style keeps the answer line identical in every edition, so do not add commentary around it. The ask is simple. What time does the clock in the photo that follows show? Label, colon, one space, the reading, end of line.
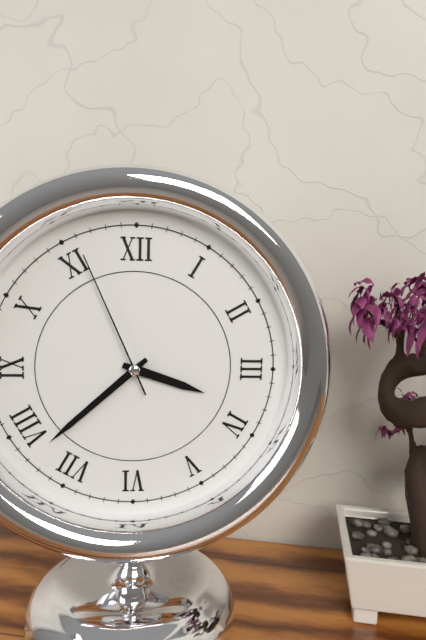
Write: 3:38:56
